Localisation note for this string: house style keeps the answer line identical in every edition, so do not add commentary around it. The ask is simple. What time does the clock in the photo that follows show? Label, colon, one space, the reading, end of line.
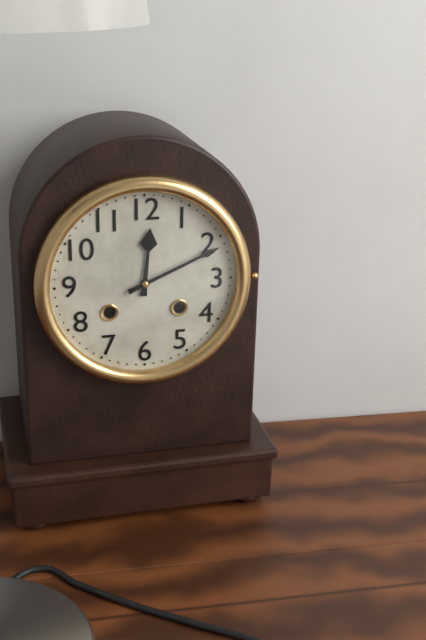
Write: 12:11
